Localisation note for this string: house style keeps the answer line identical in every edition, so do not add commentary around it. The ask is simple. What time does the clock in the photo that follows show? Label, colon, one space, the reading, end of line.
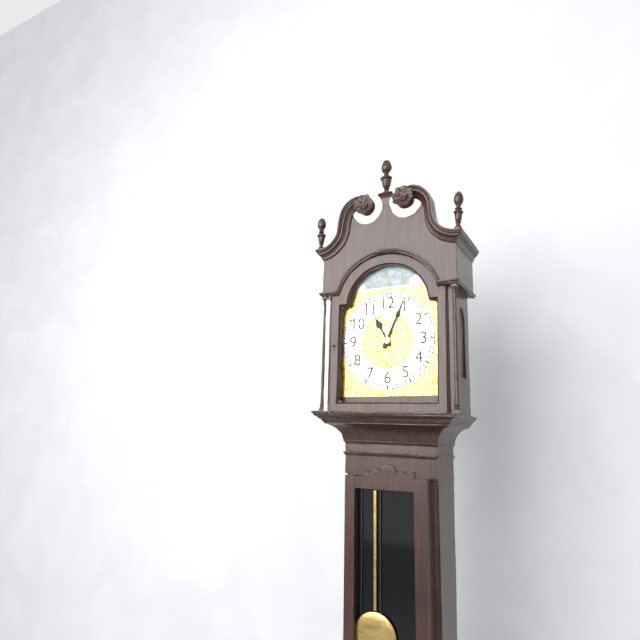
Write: 11:04
